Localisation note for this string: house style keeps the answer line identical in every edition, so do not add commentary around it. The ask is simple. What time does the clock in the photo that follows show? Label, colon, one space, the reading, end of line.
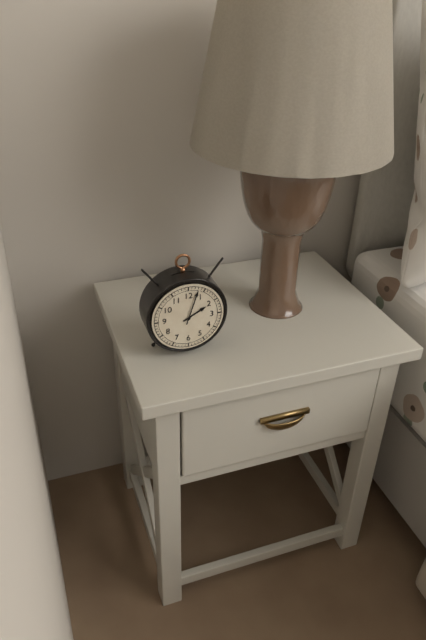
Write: 2:03
